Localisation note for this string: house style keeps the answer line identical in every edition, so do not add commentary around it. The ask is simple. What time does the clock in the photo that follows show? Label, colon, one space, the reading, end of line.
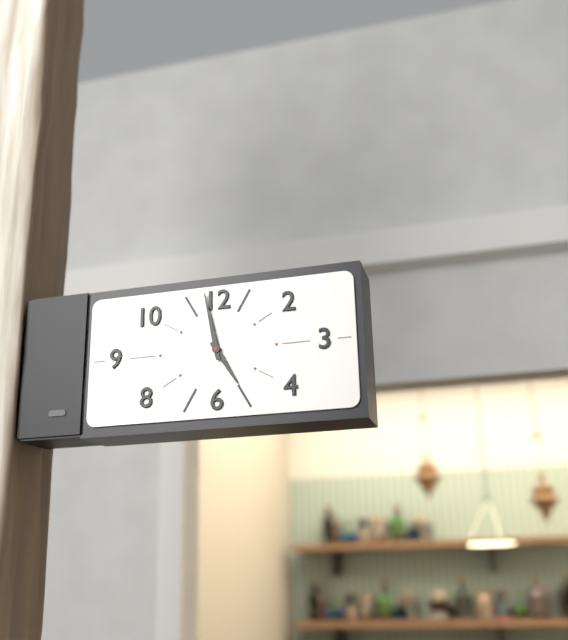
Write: 4:58
